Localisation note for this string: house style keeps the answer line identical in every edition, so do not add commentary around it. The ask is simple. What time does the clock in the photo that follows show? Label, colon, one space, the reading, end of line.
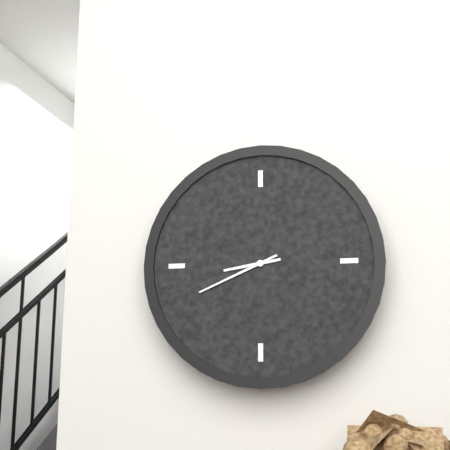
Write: 8:41
